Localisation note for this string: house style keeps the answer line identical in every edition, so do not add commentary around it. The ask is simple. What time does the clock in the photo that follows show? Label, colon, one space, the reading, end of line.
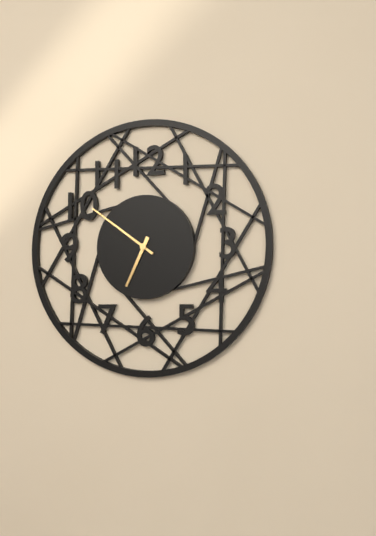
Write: 6:51
